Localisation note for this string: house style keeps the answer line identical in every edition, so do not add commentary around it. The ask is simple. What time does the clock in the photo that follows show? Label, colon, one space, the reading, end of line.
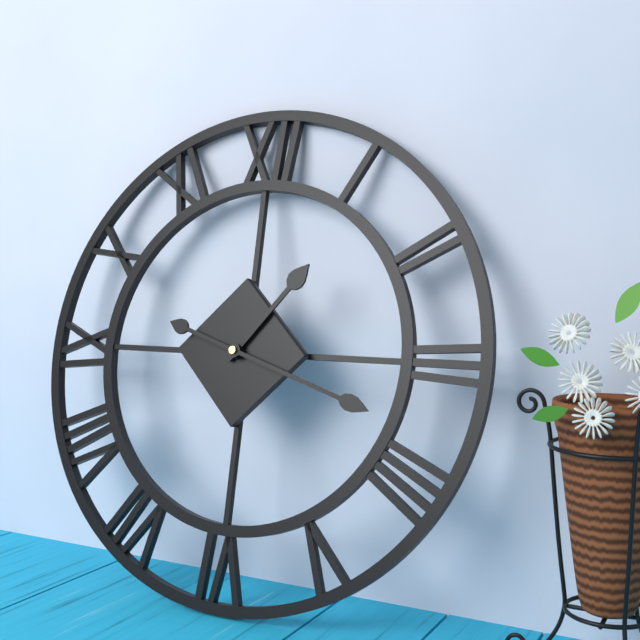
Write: 1:18
